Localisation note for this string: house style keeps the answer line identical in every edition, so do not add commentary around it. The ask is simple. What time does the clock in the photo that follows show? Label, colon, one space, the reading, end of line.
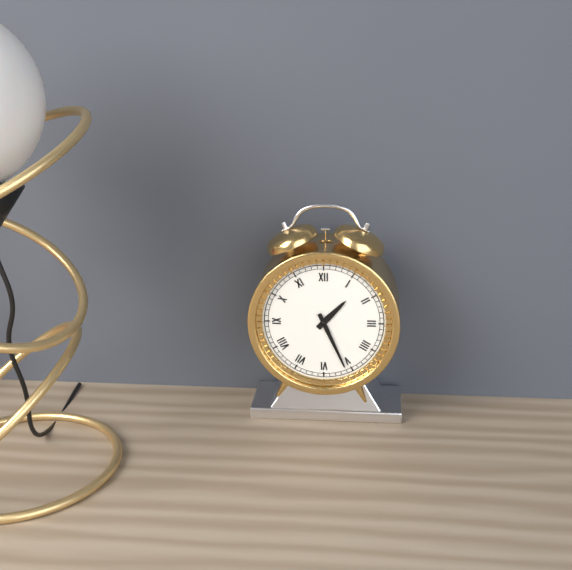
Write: 1:26
